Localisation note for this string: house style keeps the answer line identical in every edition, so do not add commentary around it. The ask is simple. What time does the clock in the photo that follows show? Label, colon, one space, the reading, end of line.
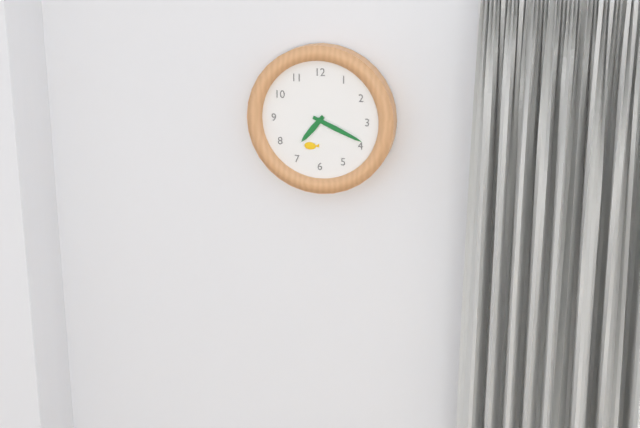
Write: 7:19
